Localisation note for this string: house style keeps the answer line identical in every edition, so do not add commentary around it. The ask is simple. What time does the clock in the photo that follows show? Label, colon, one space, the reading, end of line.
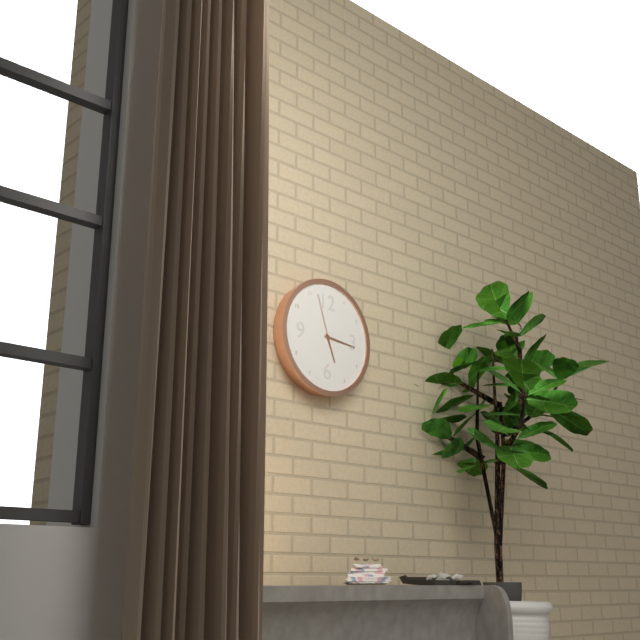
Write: 5:16:57
